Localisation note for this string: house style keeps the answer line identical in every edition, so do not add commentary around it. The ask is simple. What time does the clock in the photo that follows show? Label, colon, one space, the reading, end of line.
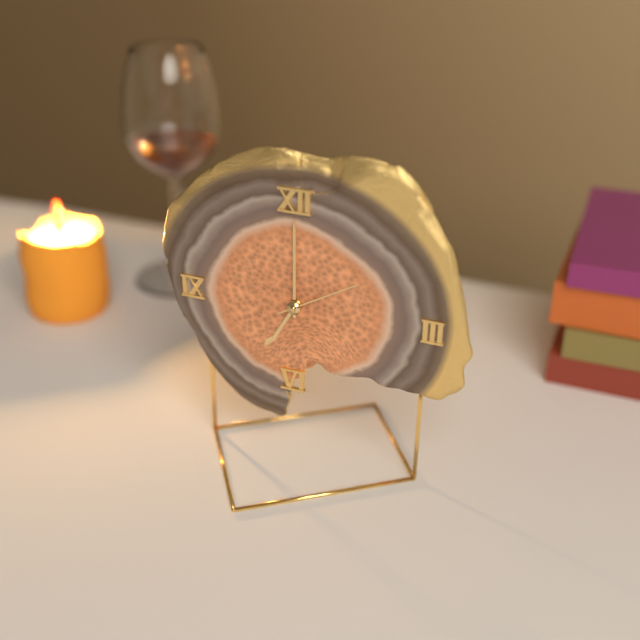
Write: 7:00:10
